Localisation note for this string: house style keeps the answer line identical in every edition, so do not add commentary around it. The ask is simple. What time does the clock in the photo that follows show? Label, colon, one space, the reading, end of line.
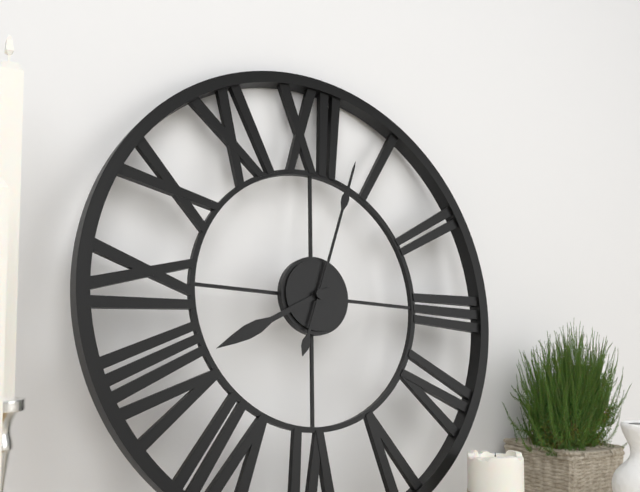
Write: 8:03
